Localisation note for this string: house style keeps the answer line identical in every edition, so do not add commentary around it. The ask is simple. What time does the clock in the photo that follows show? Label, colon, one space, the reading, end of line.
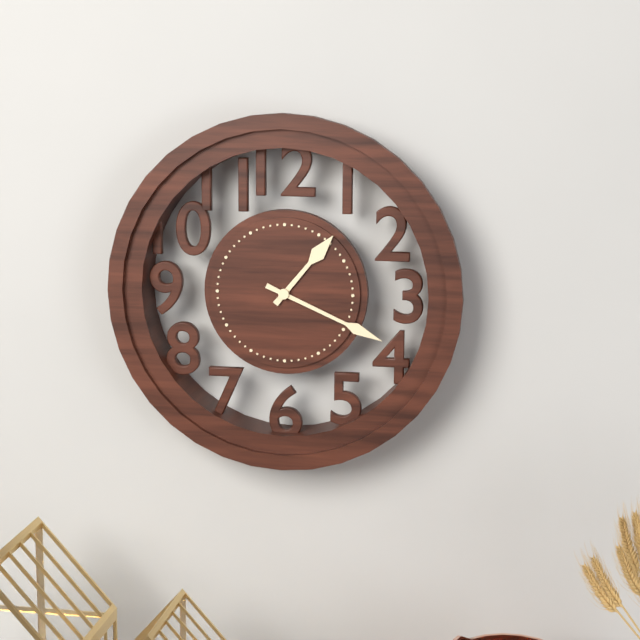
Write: 1:19
